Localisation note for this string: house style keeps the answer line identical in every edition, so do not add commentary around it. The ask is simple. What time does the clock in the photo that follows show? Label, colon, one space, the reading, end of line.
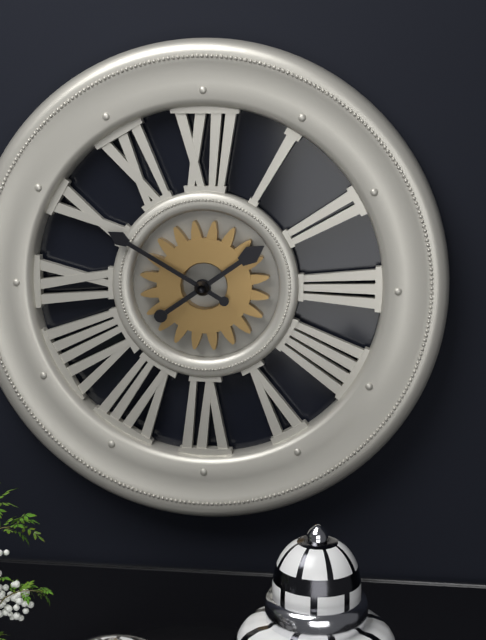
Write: 1:50
